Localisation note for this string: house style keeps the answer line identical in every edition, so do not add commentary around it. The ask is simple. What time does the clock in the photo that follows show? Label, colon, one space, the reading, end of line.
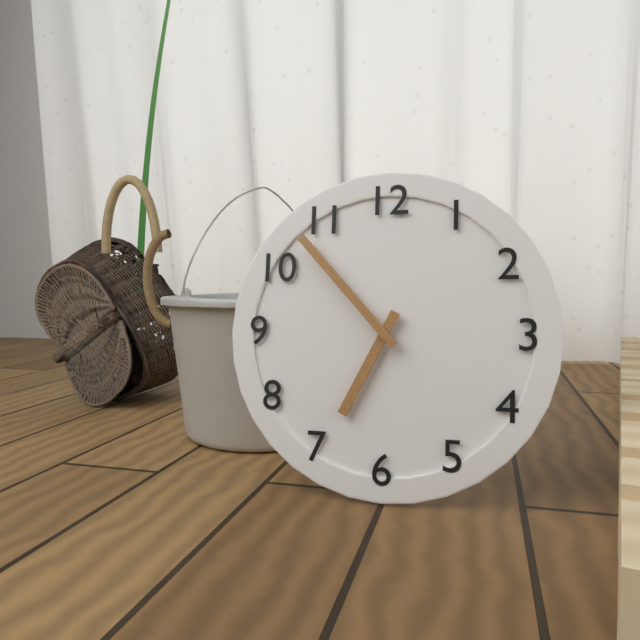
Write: 6:53
